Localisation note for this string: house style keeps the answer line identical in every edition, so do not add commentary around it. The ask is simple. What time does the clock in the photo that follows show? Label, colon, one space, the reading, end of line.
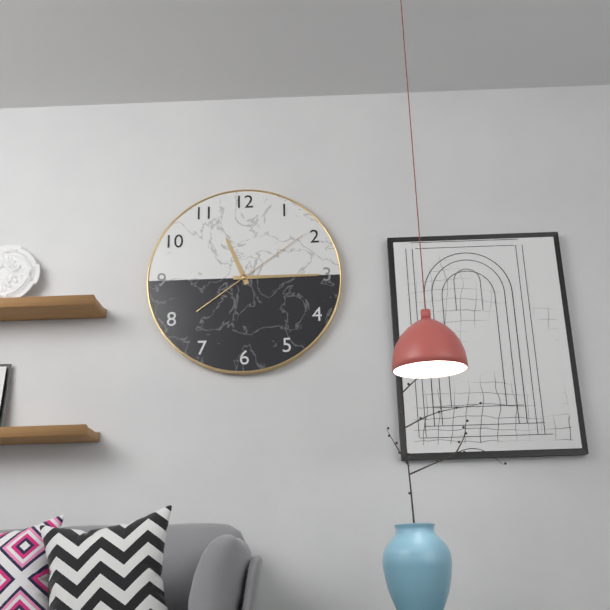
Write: 11:15:09
